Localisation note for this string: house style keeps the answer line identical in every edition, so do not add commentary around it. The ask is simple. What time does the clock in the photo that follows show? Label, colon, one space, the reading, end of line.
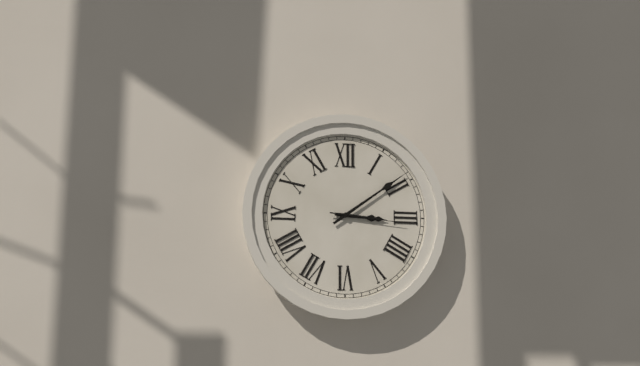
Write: 3:09:16
